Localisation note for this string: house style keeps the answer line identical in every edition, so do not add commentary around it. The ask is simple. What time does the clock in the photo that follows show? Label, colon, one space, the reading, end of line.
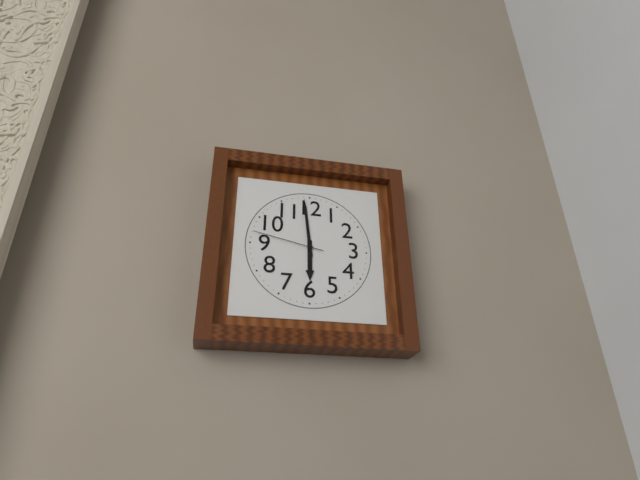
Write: 5:59:47
